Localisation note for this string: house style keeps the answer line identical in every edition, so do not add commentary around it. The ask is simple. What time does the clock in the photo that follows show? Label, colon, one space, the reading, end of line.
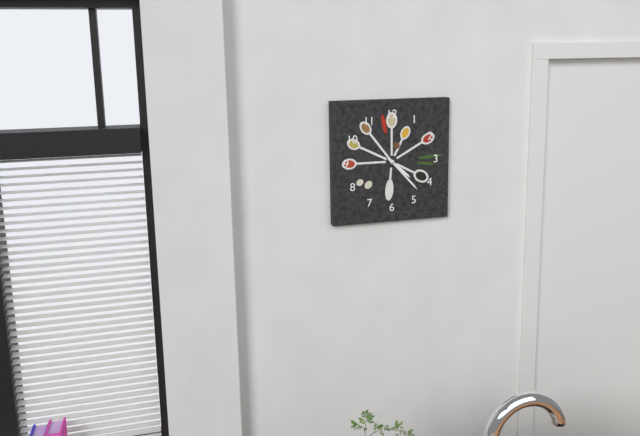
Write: 4:23
